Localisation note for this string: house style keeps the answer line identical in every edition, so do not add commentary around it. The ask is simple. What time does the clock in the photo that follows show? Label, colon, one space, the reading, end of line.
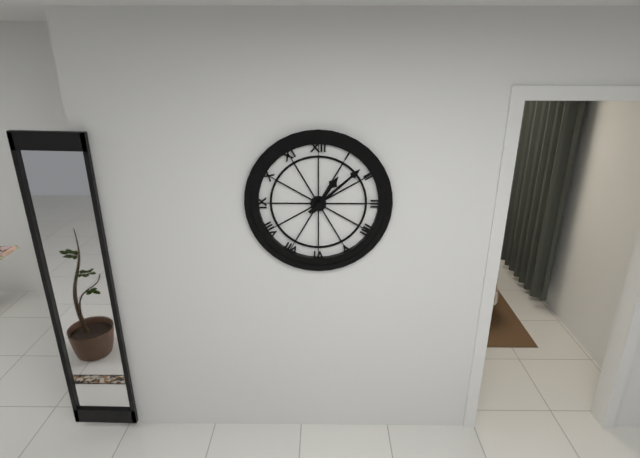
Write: 1:08
